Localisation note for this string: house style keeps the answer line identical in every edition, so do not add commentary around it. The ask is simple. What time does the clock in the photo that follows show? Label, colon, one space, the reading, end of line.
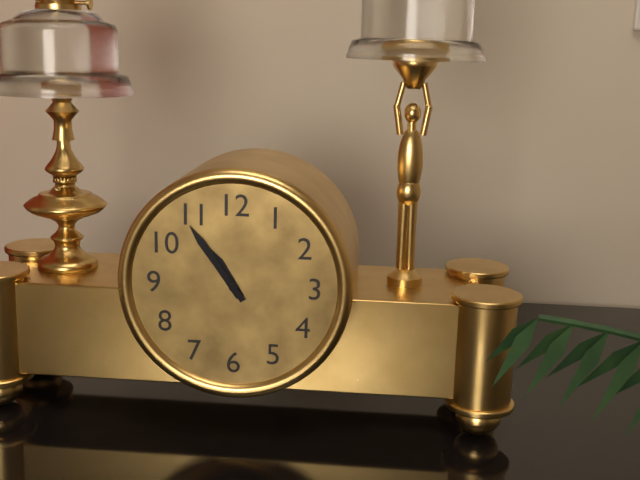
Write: 10:54
